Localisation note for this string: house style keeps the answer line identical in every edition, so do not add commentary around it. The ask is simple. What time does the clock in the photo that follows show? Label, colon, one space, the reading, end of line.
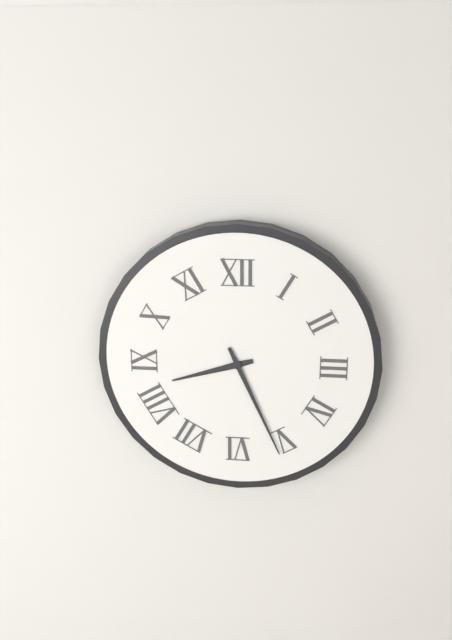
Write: 8:26
